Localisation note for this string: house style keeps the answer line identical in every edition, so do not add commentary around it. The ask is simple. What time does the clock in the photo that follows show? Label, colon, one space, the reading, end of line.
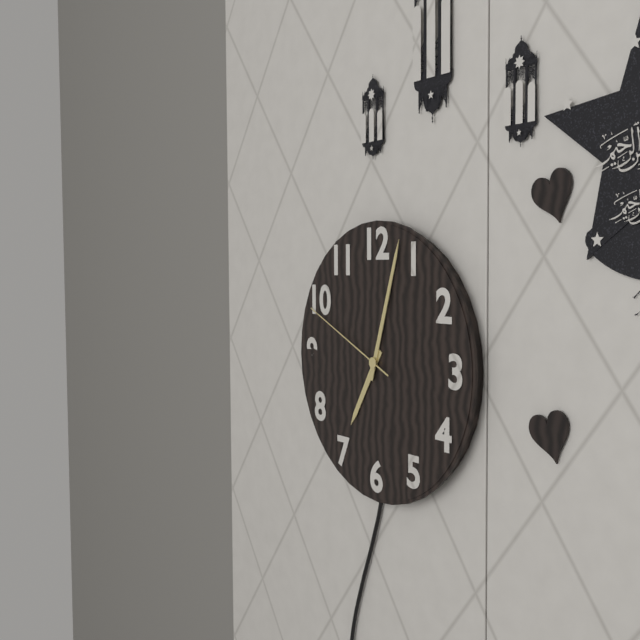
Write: 7:03:49
